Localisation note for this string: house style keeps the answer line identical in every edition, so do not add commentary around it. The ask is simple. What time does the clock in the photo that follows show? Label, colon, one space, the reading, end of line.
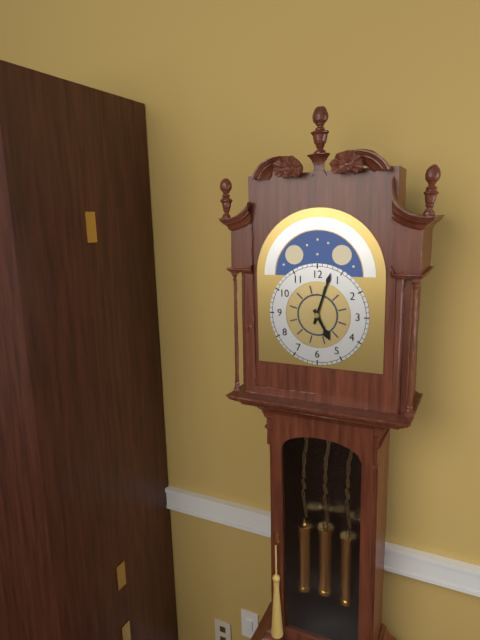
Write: 5:03
